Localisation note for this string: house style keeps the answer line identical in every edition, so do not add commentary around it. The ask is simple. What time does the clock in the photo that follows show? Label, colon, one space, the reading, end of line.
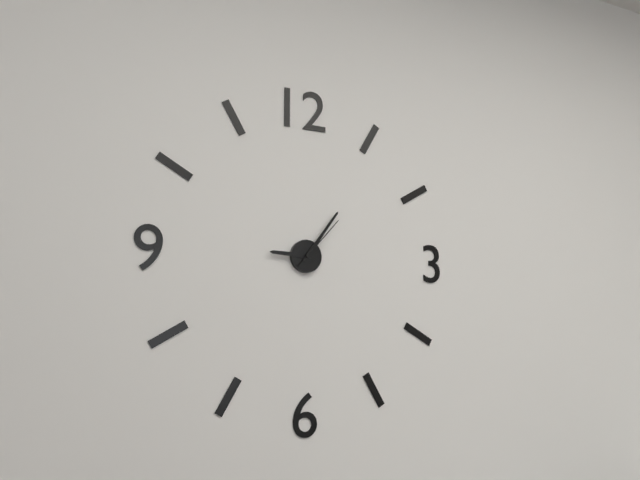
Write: 9:06:07
